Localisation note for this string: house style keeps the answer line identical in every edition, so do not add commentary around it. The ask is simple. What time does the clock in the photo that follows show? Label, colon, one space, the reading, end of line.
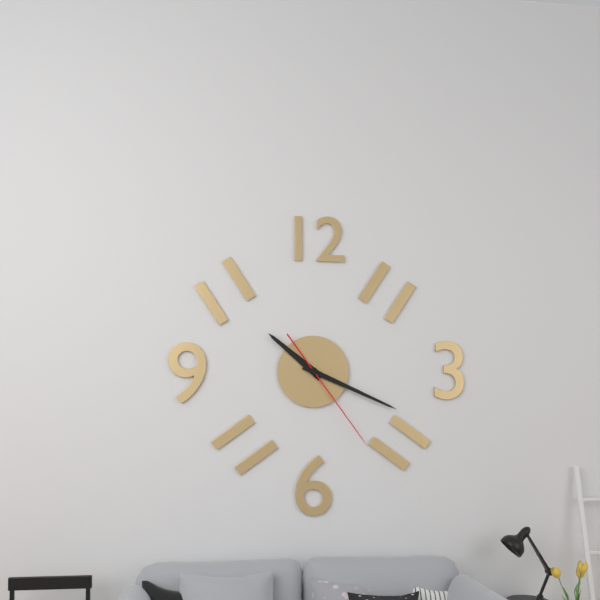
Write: 10:19:24
